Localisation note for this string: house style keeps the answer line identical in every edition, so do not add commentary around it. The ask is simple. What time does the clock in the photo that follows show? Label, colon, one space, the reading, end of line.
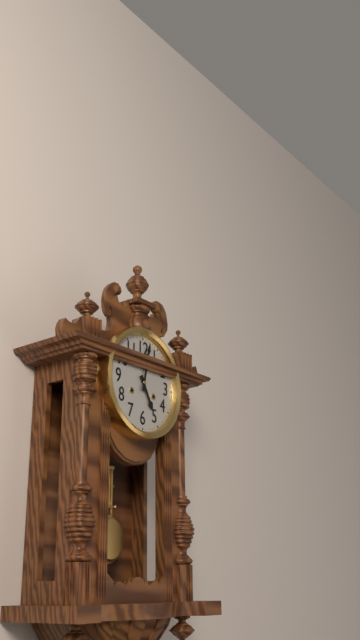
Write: 5:02
